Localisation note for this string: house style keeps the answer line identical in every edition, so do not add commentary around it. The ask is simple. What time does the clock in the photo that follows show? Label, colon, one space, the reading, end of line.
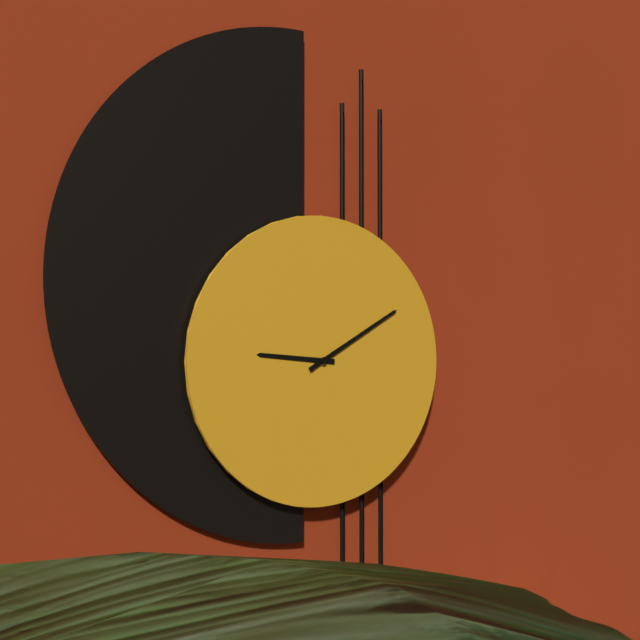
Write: 9:10
